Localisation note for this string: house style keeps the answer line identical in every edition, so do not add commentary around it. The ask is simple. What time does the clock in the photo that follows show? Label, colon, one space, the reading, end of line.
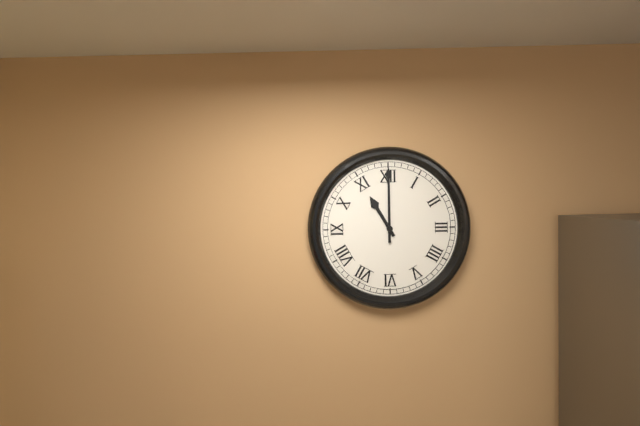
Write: 11:00
